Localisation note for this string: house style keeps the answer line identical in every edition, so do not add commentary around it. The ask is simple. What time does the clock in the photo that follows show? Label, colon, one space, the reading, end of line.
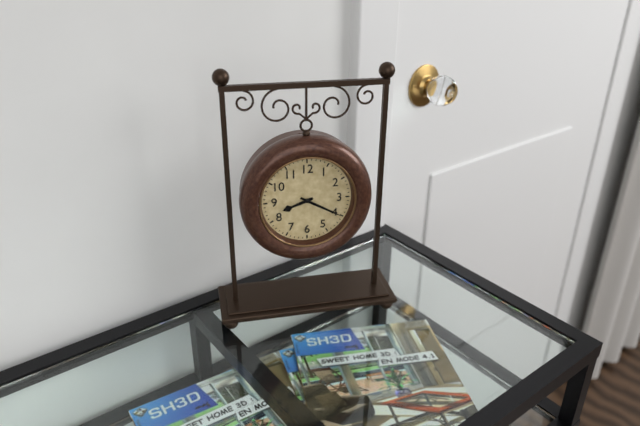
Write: 8:20
